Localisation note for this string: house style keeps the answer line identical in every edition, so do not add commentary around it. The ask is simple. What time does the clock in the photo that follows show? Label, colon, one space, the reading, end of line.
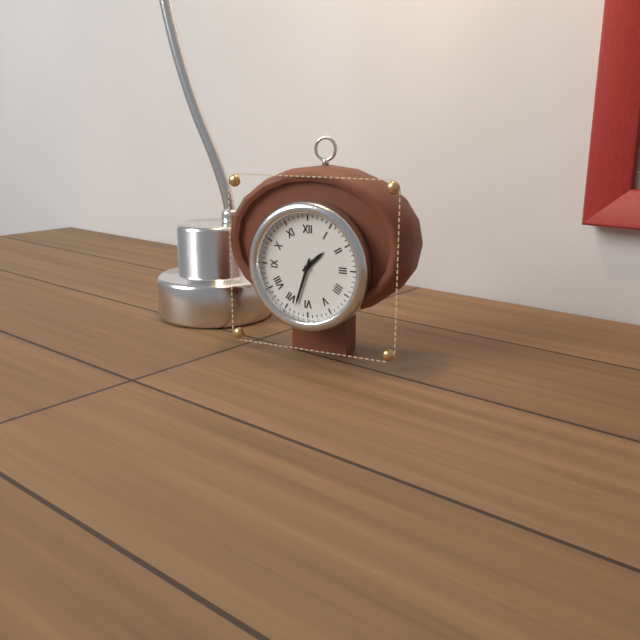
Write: 1:33
